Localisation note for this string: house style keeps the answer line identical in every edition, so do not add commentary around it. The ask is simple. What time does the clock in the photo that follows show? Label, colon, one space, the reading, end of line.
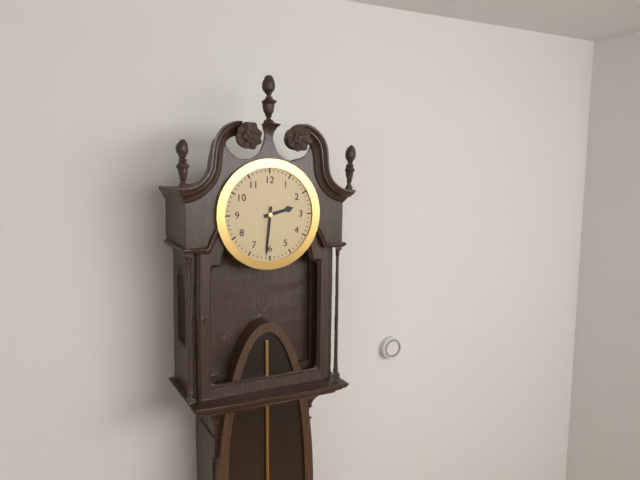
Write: 2:31
